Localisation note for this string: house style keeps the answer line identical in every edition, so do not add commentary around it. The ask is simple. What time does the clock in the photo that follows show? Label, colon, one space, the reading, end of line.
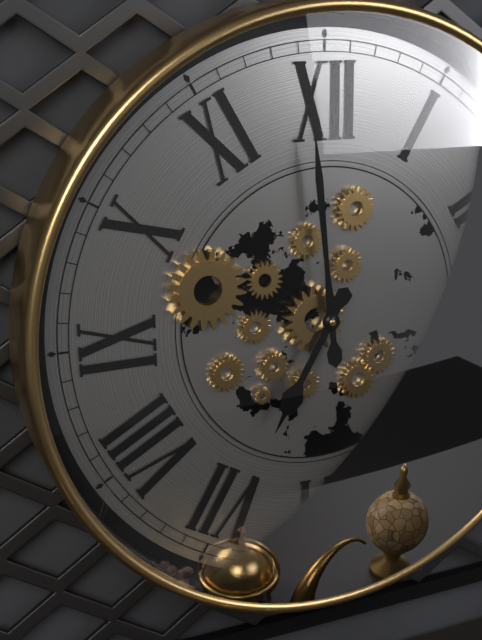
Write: 6:59
